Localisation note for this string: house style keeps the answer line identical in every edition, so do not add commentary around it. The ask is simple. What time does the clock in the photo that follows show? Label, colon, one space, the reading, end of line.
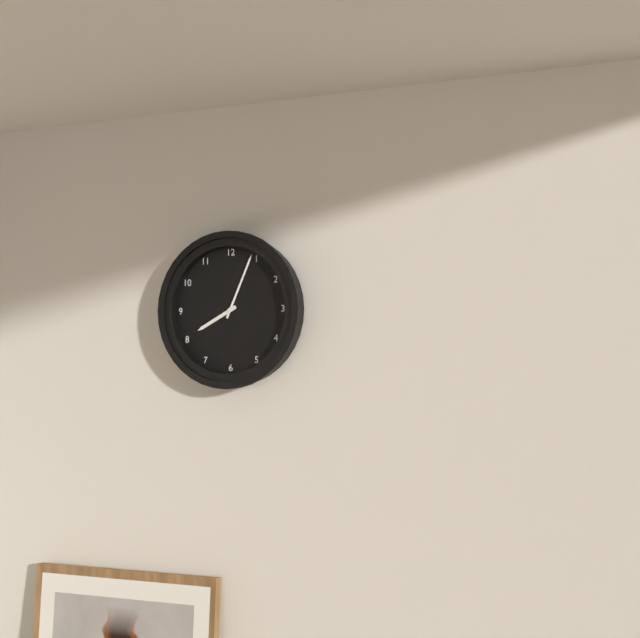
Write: 8:04
